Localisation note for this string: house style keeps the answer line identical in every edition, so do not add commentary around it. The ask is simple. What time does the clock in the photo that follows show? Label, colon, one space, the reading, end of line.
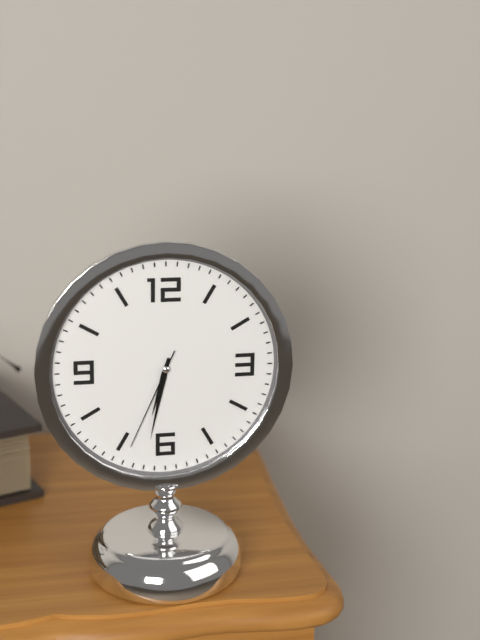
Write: 6:32:34
